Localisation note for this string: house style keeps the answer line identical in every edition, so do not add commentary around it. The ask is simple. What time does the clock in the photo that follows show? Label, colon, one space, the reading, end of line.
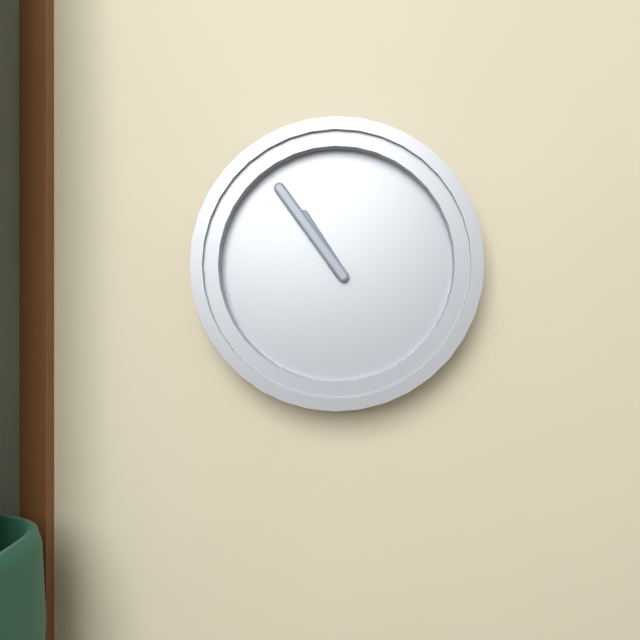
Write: 10:54
